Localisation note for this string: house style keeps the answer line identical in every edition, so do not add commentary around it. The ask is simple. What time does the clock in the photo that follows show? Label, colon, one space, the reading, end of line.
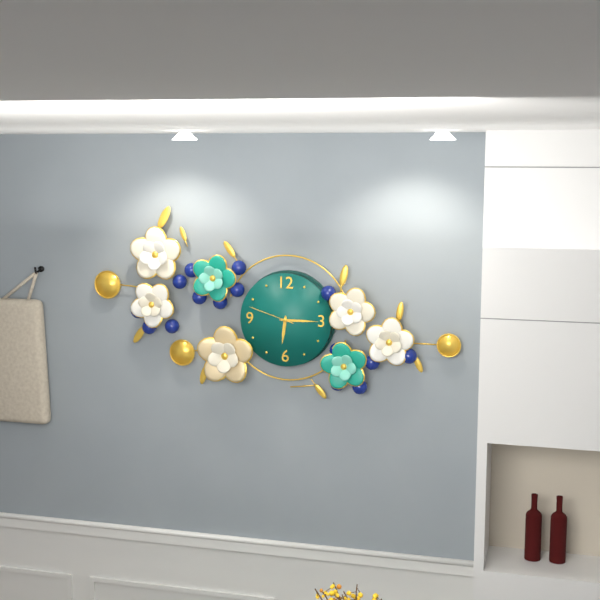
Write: 6:15
